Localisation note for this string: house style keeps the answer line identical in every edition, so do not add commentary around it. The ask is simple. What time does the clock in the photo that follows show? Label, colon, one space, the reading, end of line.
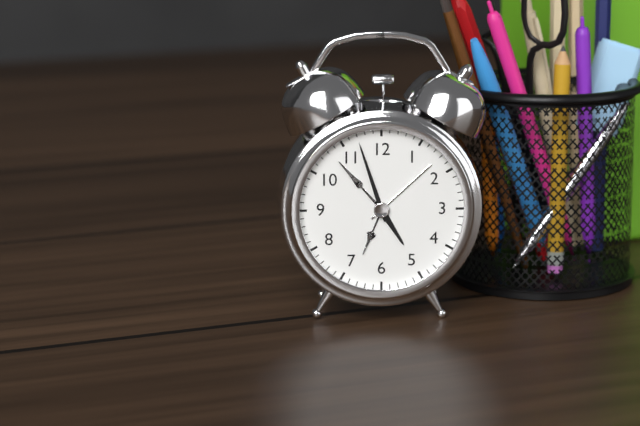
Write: 4:57
